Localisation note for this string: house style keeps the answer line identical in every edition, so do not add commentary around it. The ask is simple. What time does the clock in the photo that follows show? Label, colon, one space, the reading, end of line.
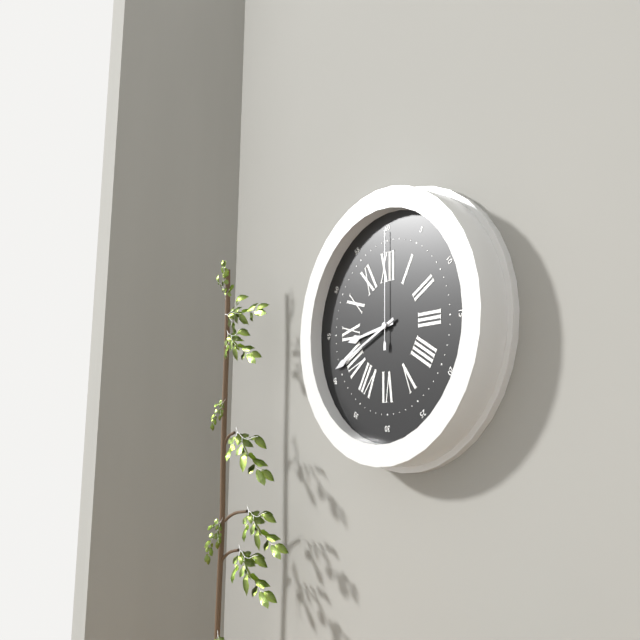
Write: 8:41:00
